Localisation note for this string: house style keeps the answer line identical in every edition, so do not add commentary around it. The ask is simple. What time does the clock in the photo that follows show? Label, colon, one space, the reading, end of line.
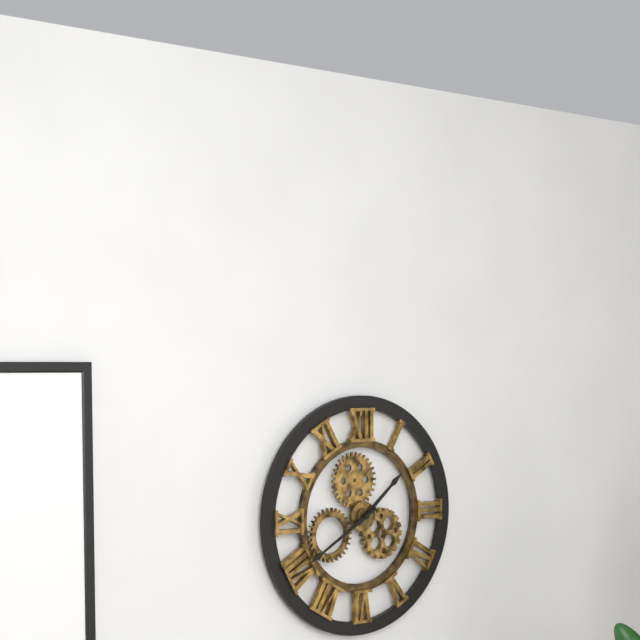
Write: 1:40
